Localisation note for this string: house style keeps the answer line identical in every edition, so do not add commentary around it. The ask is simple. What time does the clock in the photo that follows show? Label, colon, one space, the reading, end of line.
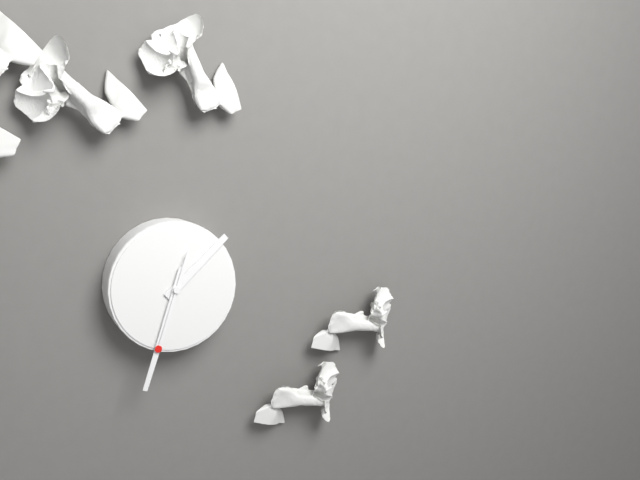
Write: 1:33:33
